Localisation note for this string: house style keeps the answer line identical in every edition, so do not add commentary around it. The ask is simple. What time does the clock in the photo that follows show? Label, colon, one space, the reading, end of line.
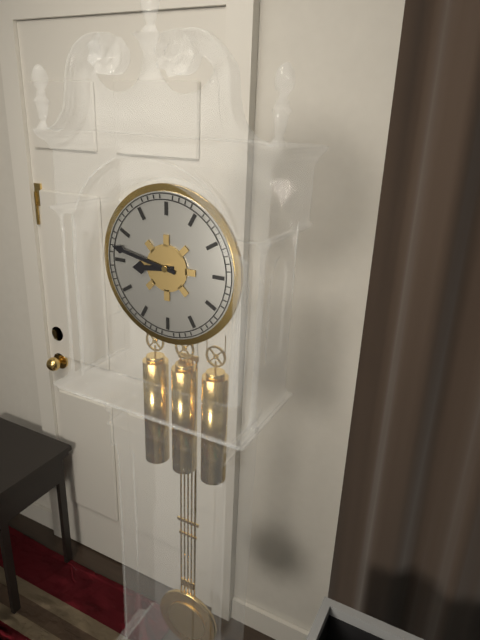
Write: 8:47
